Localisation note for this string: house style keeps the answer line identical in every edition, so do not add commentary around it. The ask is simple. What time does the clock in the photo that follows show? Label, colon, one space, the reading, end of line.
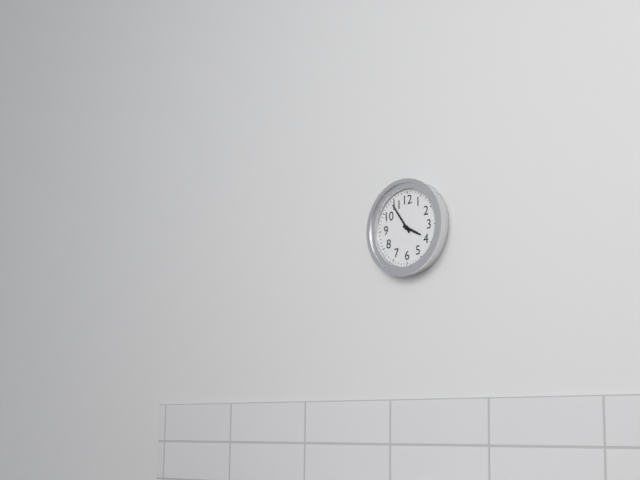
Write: 3:54
